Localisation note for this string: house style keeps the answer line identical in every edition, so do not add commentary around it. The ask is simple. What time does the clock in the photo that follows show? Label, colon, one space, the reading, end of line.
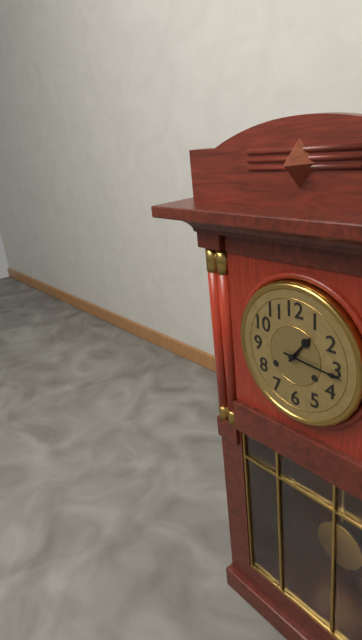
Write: 1:16
